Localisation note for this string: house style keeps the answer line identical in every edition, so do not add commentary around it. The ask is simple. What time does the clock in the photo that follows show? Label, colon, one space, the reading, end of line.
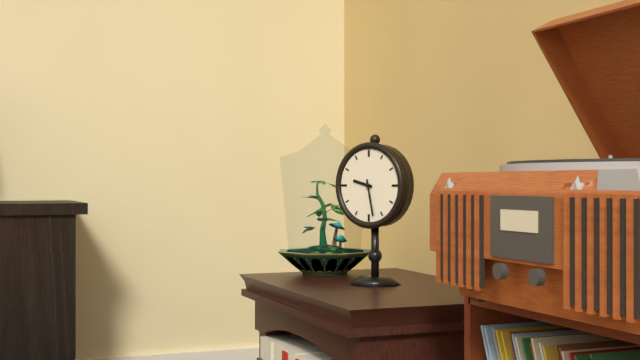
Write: 9:28
